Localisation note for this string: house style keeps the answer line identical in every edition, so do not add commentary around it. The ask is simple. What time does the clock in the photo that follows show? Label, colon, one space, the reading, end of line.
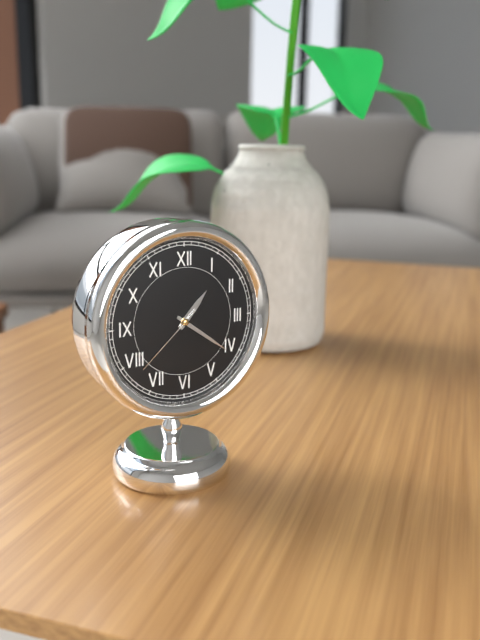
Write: 1:21:38
